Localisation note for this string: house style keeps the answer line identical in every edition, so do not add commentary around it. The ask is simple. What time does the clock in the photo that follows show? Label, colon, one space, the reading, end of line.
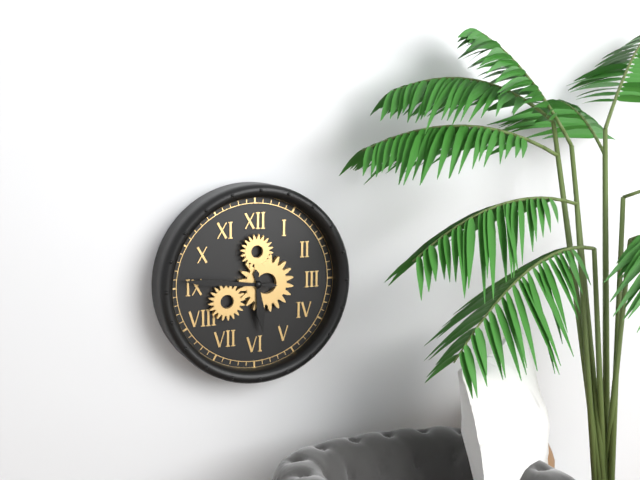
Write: 5:46
